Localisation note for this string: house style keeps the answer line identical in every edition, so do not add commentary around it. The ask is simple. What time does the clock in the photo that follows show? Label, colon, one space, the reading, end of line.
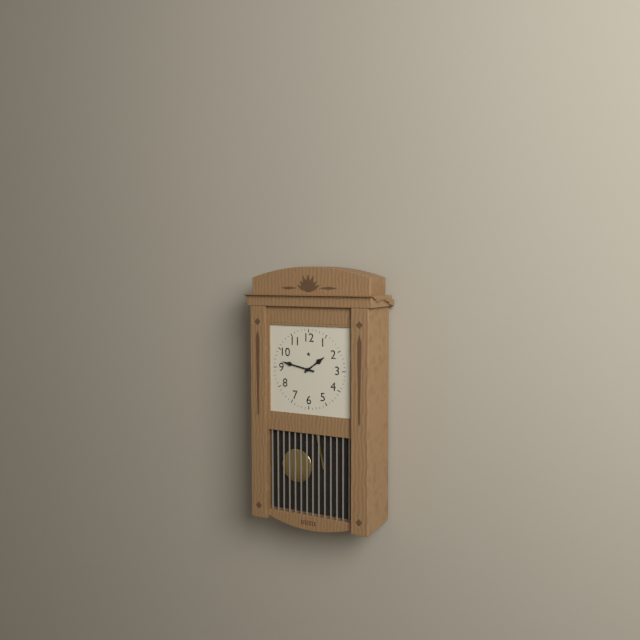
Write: 1:47
